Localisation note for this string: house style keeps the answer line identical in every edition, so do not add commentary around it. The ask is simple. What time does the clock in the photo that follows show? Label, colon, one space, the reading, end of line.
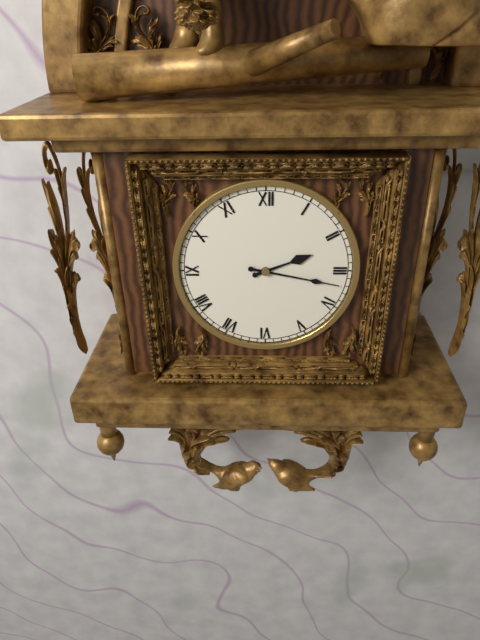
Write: 2:17
